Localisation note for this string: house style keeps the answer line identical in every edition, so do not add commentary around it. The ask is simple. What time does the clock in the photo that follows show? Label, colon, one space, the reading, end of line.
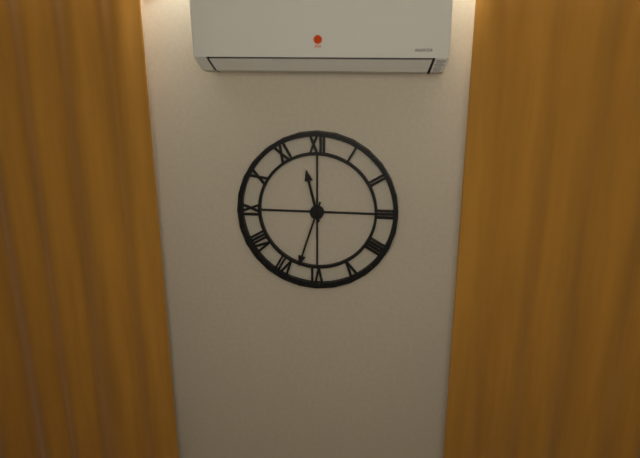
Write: 11:33
